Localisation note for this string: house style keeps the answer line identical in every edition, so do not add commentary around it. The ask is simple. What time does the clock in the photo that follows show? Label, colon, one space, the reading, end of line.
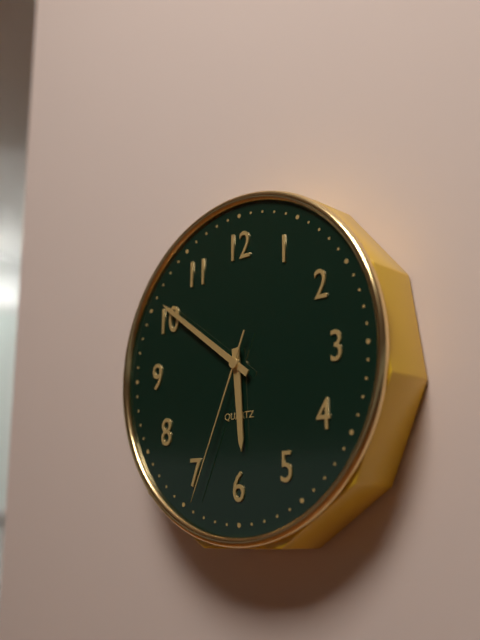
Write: 5:51:34
